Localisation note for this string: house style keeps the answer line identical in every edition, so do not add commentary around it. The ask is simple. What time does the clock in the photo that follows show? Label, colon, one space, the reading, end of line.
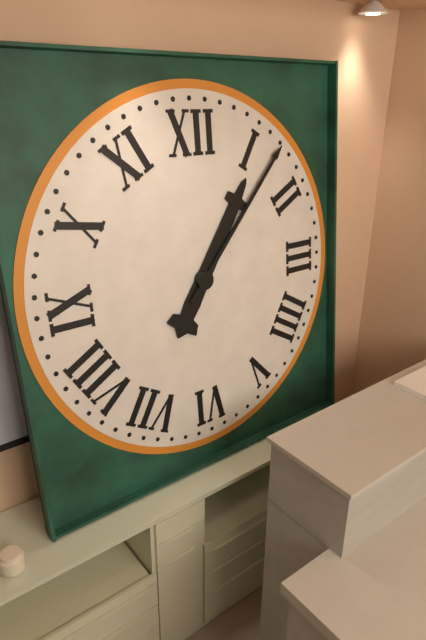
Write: 1:07
